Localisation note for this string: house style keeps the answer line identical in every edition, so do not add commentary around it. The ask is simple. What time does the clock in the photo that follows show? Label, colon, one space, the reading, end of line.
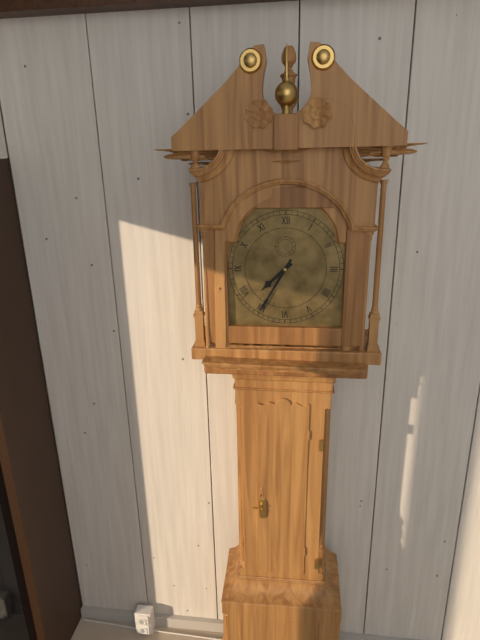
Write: 7:35
